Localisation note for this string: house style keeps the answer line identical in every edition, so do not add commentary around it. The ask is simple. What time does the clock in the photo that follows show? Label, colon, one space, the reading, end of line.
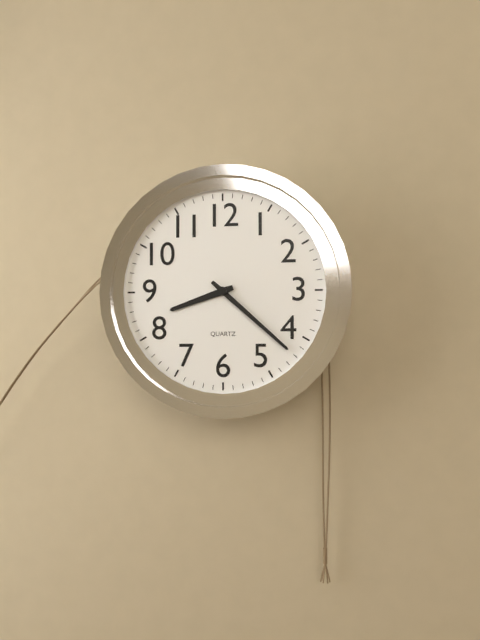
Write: 8:22
